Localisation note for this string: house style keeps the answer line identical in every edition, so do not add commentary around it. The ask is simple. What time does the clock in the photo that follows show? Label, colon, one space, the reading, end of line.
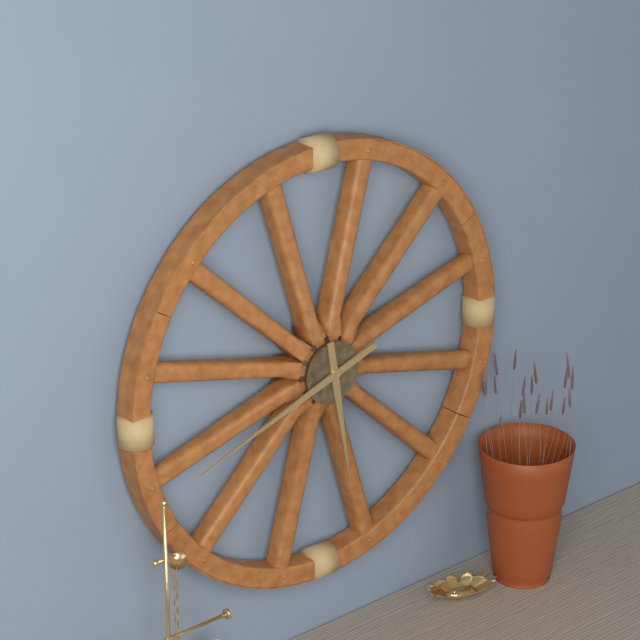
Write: 5:42
